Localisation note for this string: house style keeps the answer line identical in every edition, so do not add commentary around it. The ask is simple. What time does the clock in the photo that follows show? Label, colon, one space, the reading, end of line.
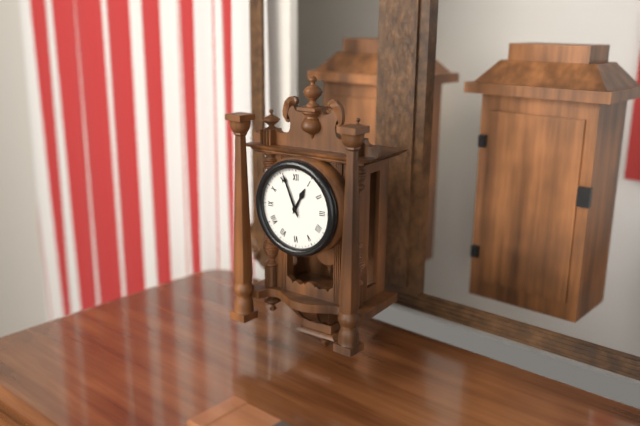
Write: 12:56
